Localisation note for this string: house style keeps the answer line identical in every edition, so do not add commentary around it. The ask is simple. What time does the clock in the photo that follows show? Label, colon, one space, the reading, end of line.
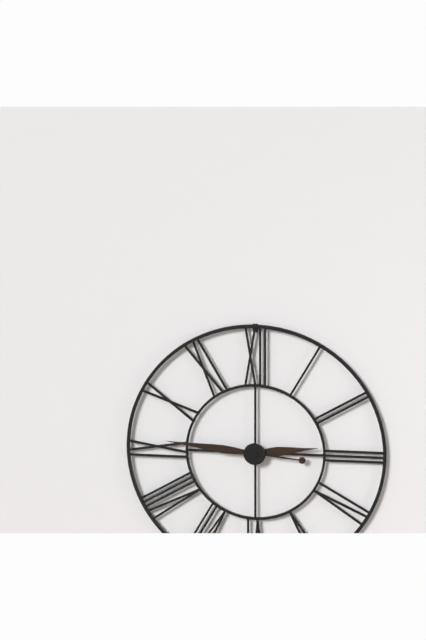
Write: 2:46
